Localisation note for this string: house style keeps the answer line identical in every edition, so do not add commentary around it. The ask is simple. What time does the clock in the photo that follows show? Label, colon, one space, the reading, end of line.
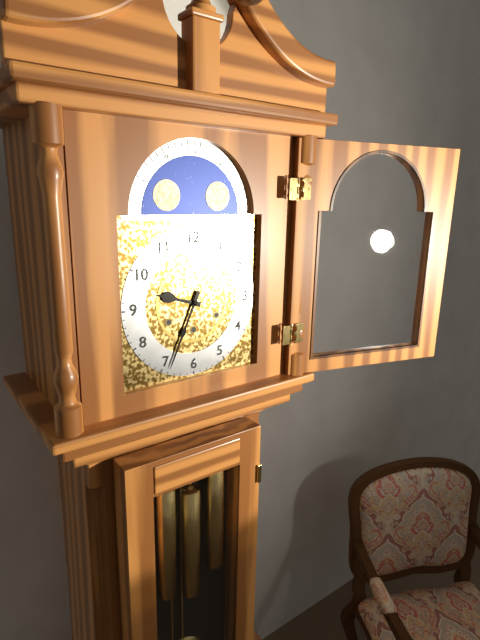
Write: 9:34
